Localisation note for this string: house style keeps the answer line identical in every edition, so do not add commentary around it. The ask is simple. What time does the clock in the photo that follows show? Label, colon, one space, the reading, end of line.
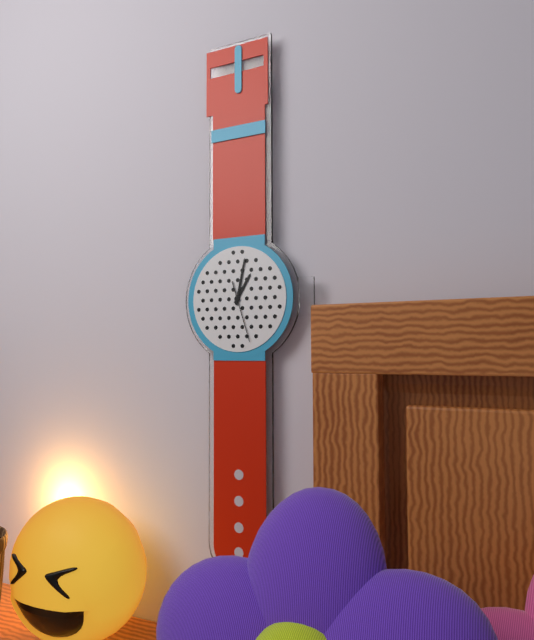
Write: 1:02:27
